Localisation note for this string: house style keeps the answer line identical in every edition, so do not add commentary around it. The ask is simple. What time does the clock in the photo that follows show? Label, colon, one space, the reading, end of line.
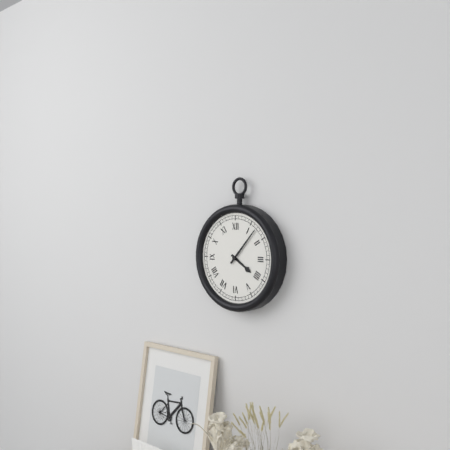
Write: 4:07
